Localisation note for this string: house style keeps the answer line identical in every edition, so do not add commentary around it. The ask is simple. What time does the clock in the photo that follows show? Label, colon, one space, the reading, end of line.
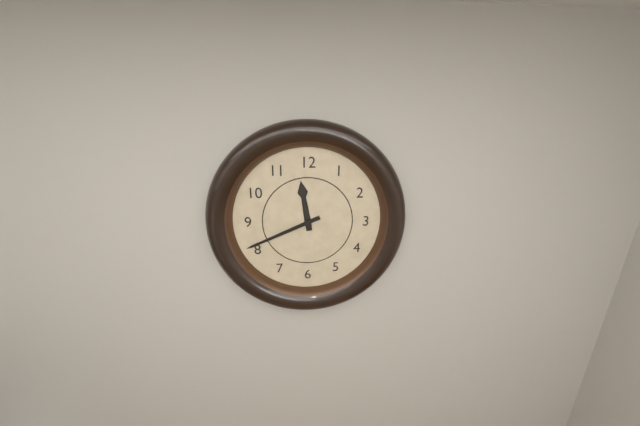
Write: 11:41
